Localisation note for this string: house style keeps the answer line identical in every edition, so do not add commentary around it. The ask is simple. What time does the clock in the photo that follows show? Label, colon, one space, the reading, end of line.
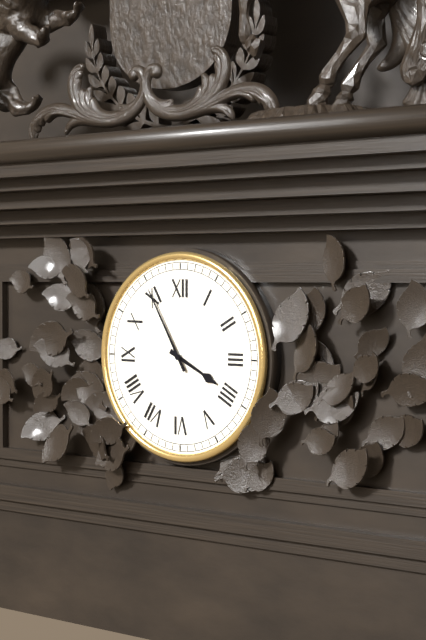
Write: 3:55
